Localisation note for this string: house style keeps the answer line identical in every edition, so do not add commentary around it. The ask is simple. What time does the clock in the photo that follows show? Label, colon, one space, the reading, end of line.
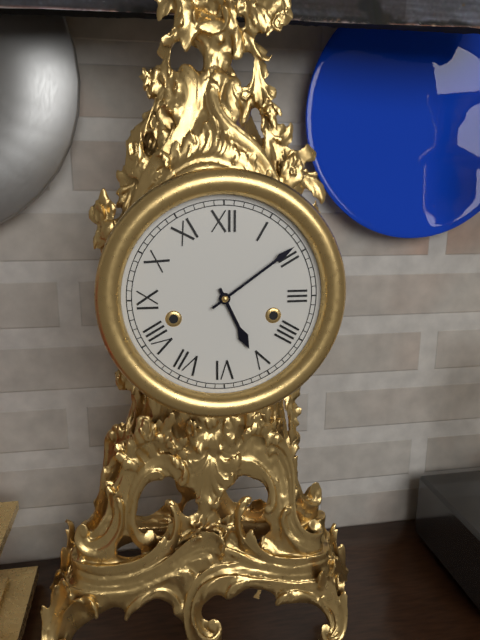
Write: 5:09
